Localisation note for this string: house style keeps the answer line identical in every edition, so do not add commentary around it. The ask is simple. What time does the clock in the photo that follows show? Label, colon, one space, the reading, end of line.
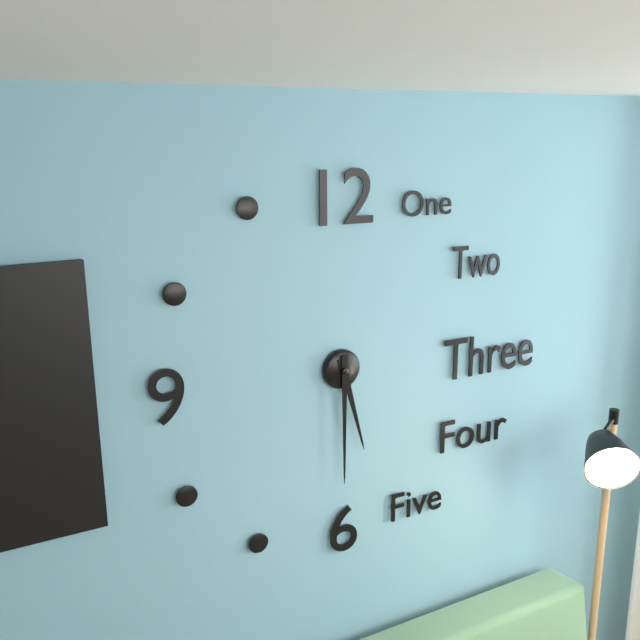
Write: 5:30
